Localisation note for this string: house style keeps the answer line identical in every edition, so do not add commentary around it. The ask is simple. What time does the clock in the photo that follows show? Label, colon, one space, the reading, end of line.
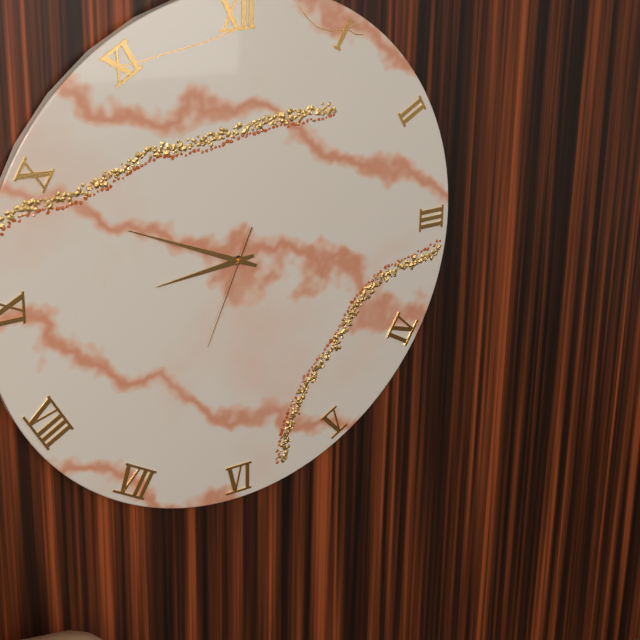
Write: 8:49:34
